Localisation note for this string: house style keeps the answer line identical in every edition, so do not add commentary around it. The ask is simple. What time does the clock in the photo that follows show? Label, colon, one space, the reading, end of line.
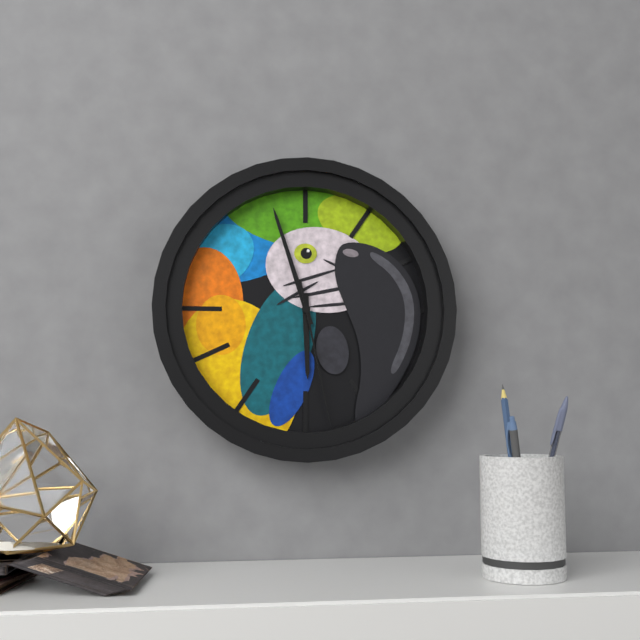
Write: 5:57:28
